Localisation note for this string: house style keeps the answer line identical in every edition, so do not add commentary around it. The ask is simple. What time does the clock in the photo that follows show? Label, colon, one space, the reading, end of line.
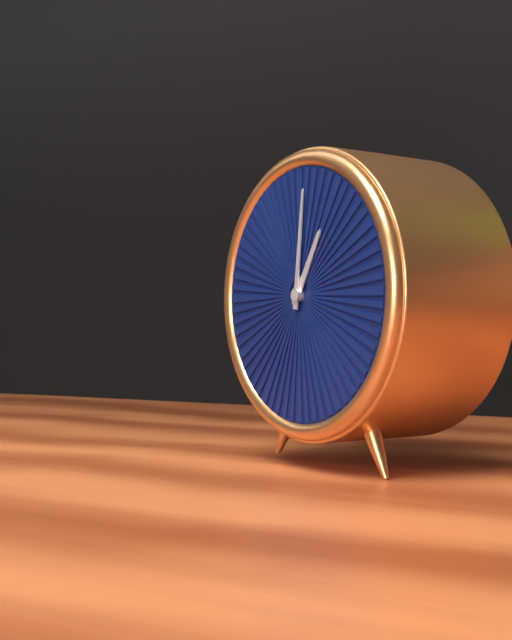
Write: 1:01
